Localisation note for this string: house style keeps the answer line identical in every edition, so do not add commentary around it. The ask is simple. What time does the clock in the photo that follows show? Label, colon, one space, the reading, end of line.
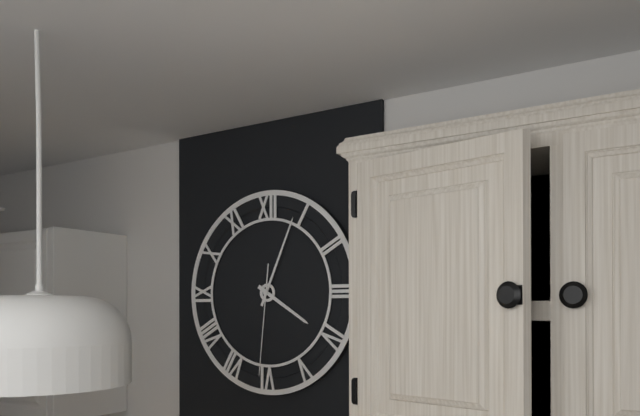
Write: 4:04:31
